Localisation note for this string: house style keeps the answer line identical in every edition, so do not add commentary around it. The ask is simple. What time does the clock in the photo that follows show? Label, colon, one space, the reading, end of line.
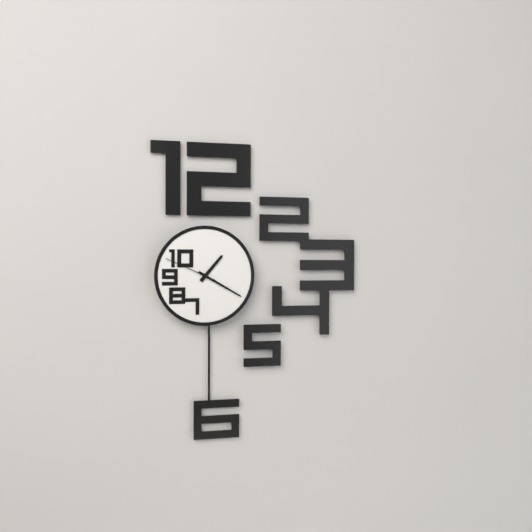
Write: 1:20:49
